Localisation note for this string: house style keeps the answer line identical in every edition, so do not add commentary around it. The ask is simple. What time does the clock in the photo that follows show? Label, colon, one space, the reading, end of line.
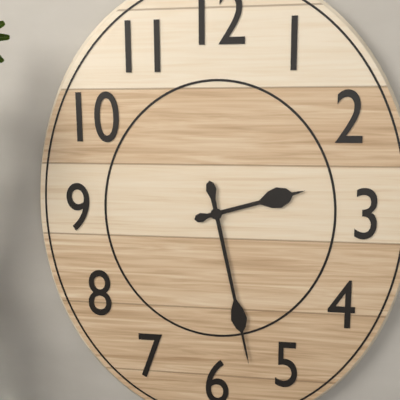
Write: 2:28
